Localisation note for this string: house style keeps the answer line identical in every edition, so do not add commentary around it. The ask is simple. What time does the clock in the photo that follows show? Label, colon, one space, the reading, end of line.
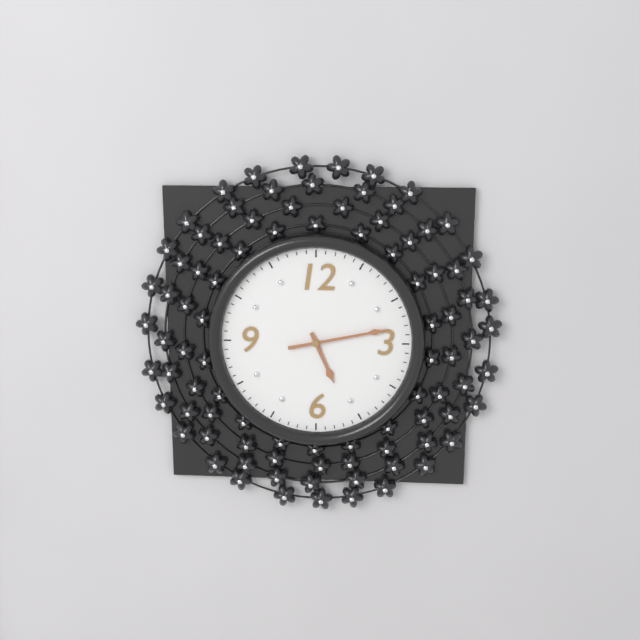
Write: 5:13
